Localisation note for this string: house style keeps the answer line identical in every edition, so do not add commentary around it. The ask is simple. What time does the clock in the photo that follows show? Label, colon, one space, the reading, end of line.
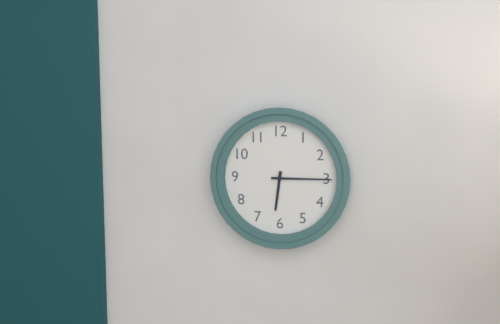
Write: 6:15
